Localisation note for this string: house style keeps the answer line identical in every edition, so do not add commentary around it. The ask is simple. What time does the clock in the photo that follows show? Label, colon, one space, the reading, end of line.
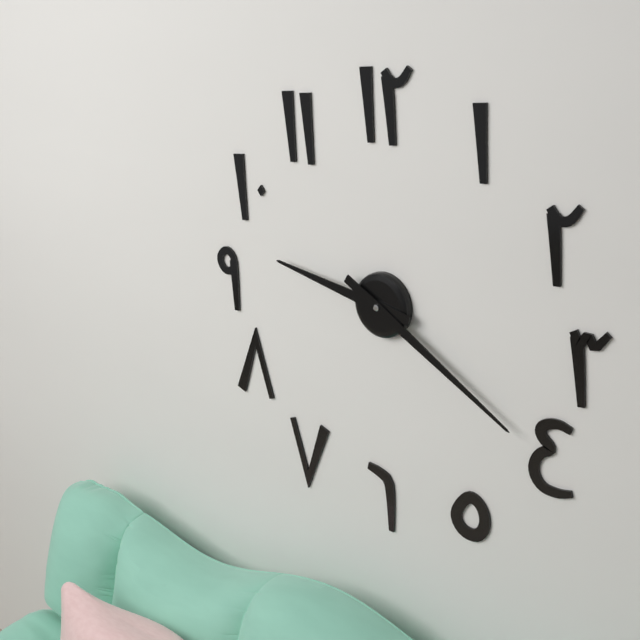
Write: 9:20
